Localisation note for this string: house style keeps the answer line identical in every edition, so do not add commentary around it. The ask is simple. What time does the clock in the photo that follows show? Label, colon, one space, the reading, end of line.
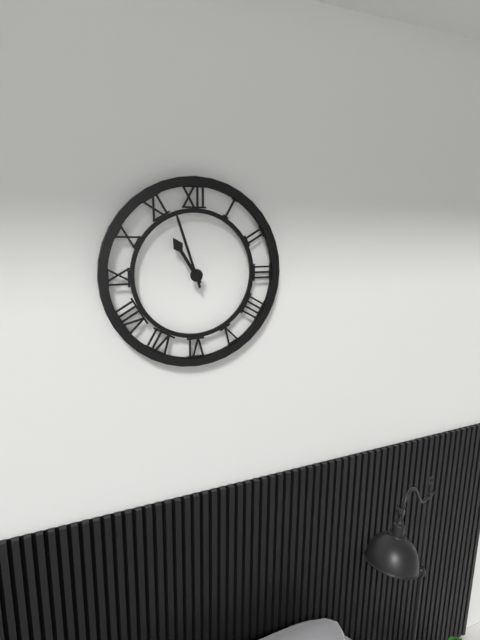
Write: 10:57
